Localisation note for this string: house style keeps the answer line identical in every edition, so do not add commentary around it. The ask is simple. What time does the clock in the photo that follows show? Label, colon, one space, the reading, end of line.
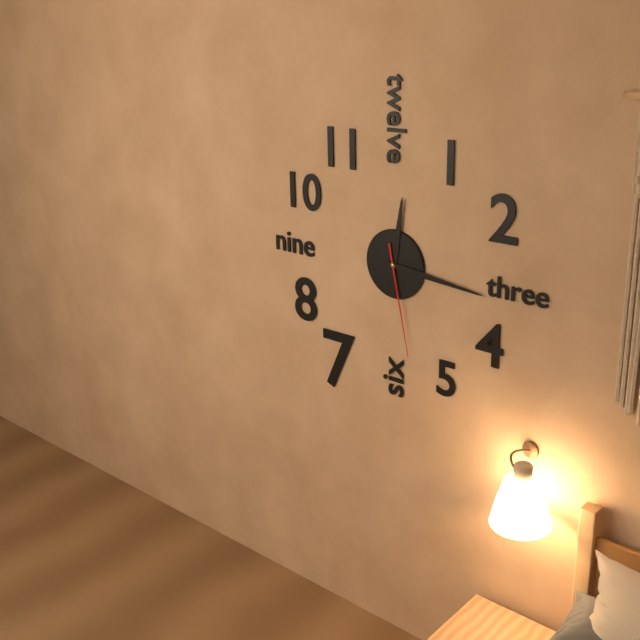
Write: 12:16:28
